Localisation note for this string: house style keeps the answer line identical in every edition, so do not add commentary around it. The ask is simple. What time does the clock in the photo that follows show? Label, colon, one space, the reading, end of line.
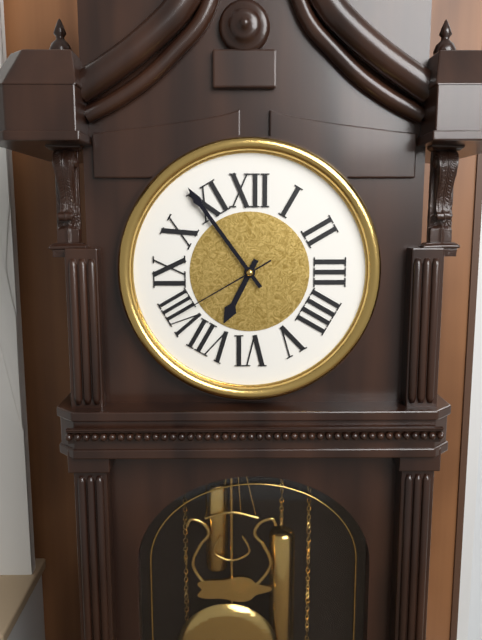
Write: 6:54:40
